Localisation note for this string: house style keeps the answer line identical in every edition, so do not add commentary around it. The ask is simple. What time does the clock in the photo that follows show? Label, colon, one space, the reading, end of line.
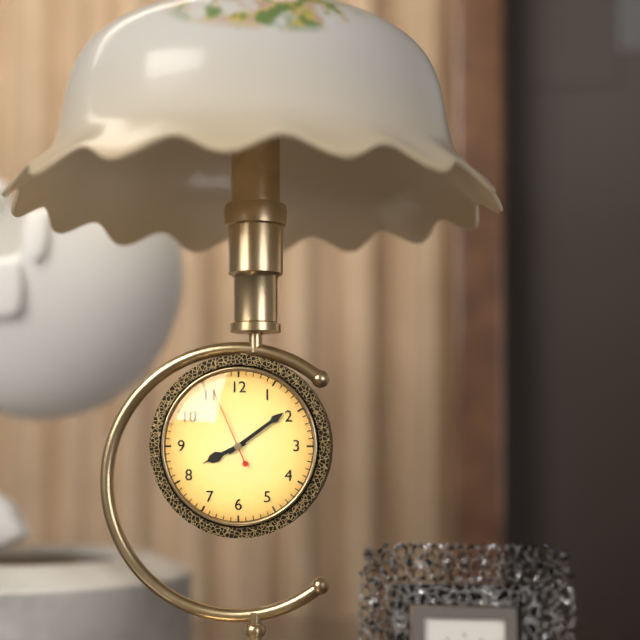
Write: 8:09:56
